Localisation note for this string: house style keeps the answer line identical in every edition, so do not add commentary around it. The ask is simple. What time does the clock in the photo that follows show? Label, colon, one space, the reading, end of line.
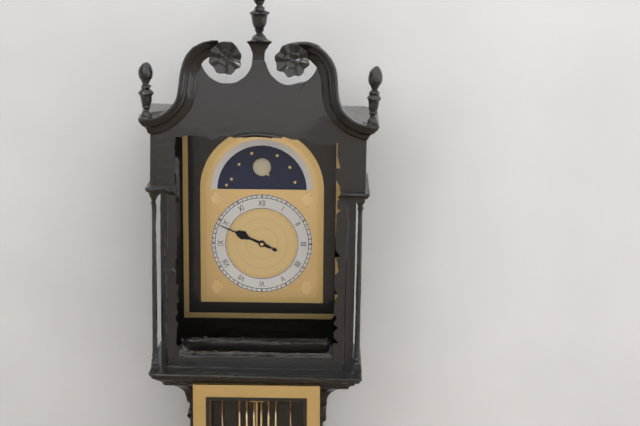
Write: 9:49
